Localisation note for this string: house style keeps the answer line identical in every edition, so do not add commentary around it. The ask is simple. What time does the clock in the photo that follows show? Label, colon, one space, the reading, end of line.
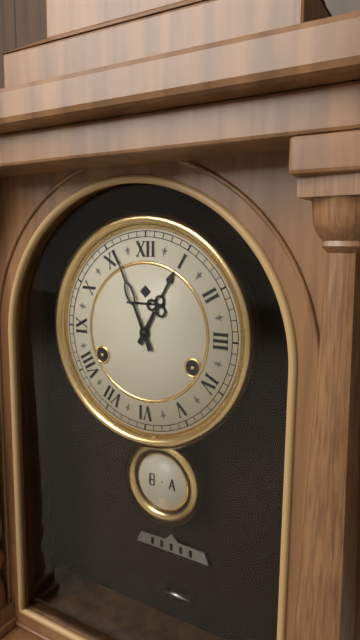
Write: 12:56
